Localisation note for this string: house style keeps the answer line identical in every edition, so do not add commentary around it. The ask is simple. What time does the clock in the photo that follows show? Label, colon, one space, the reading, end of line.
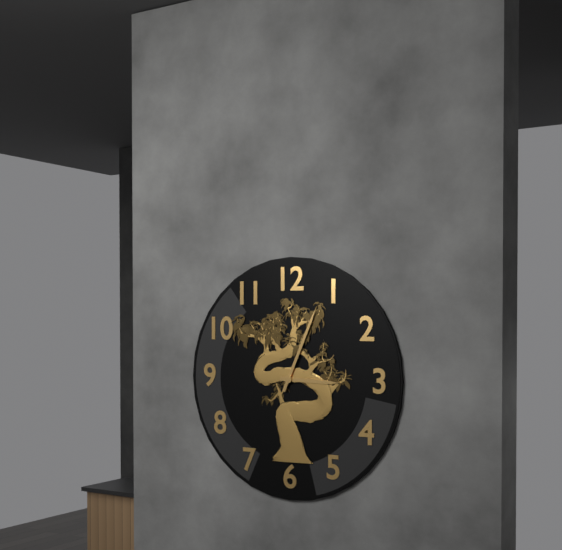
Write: 3:04
